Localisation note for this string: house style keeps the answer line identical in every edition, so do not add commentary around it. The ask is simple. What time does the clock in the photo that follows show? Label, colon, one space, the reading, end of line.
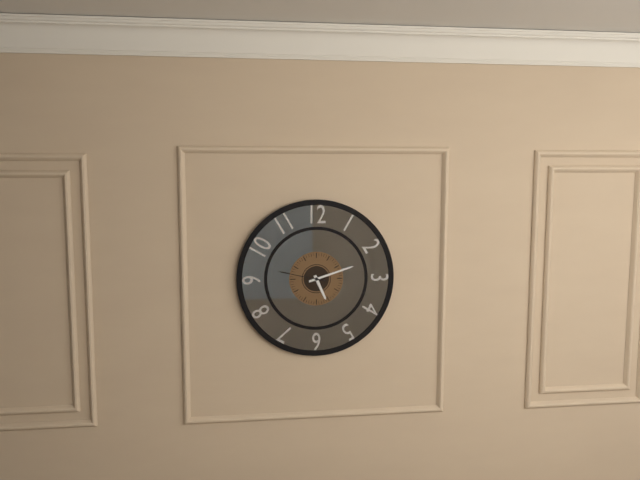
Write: 5:12
